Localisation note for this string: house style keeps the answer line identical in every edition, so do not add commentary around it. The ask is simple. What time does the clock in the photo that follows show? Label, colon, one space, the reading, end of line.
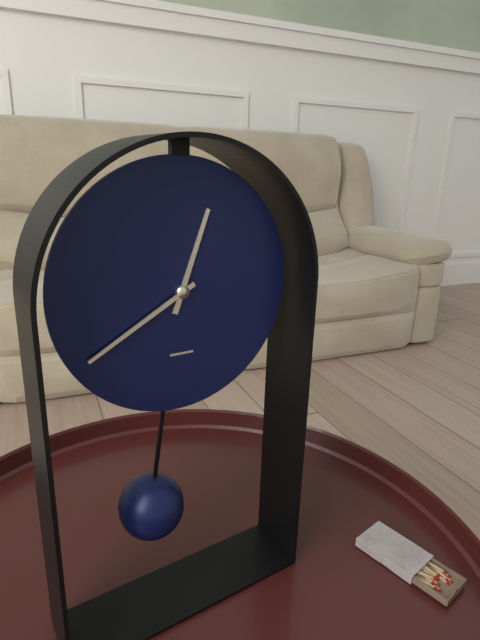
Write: 12:40
